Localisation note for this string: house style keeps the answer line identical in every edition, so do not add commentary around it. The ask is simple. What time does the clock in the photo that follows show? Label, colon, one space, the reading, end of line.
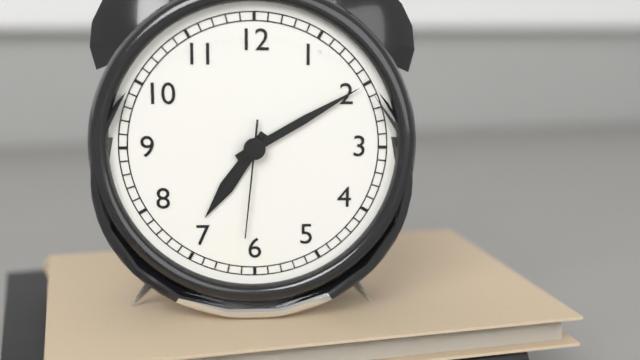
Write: 7:10:31
